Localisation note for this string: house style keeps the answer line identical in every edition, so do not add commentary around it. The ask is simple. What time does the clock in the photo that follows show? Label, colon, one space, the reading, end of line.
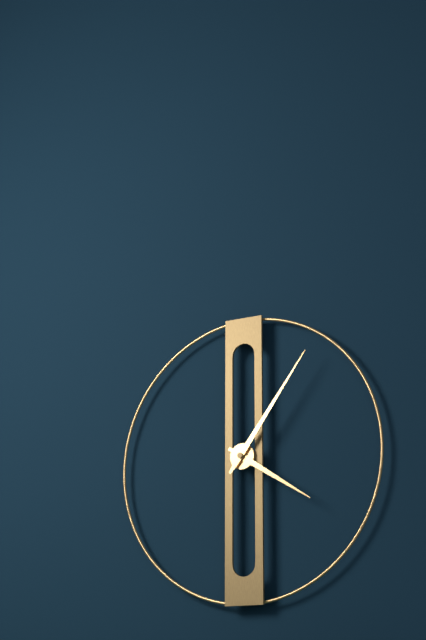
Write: 4:06
